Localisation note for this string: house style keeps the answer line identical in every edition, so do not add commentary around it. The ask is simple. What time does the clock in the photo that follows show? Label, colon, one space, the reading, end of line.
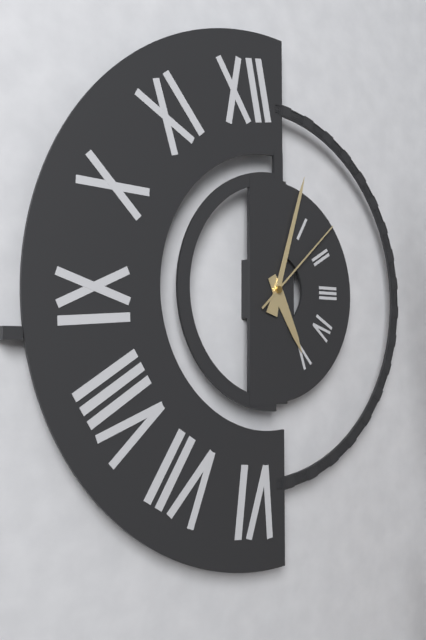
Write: 5:03:08
